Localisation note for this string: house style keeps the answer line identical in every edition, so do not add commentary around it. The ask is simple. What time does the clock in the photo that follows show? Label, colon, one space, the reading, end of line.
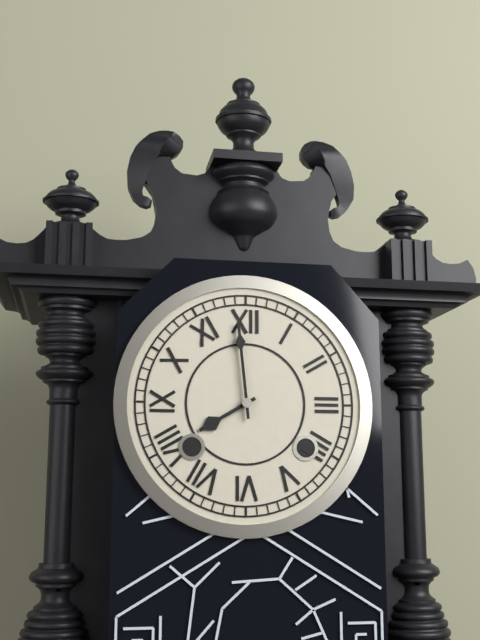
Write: 7:59
